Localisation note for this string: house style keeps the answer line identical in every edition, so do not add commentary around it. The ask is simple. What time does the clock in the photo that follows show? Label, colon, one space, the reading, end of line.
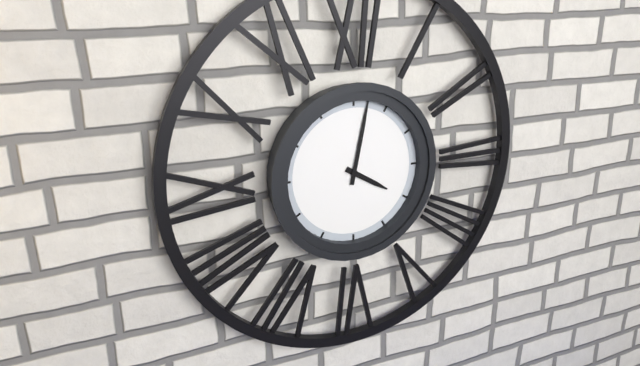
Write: 4:02
